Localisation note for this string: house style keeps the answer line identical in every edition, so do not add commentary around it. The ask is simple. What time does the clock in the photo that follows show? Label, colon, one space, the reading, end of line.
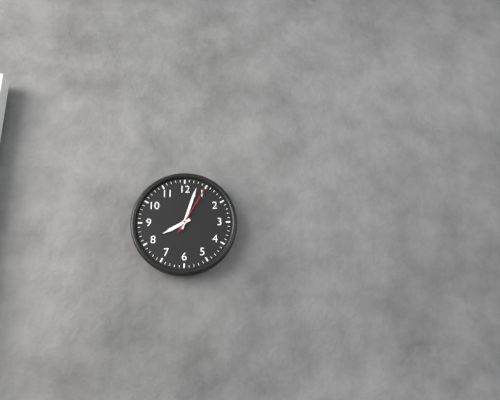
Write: 8:03
